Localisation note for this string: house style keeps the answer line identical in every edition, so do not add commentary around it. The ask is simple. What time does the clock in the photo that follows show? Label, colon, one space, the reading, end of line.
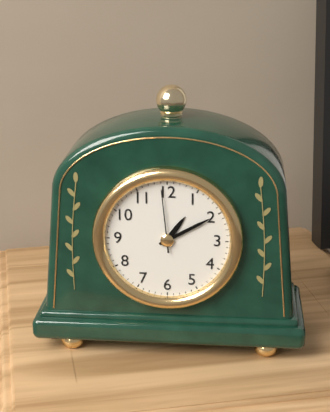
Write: 1:10
